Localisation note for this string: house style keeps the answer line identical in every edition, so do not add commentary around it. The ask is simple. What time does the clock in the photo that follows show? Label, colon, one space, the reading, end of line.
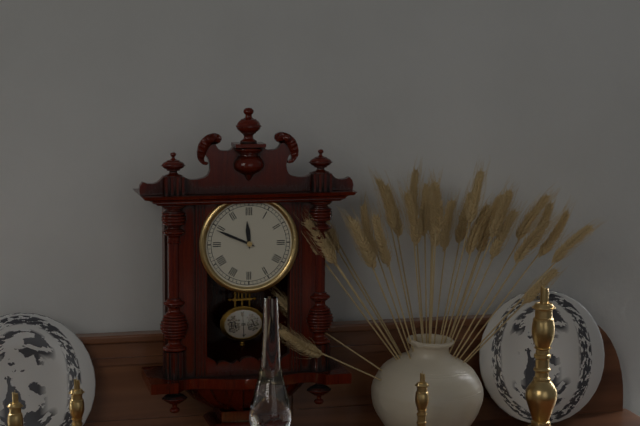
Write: 11:49
